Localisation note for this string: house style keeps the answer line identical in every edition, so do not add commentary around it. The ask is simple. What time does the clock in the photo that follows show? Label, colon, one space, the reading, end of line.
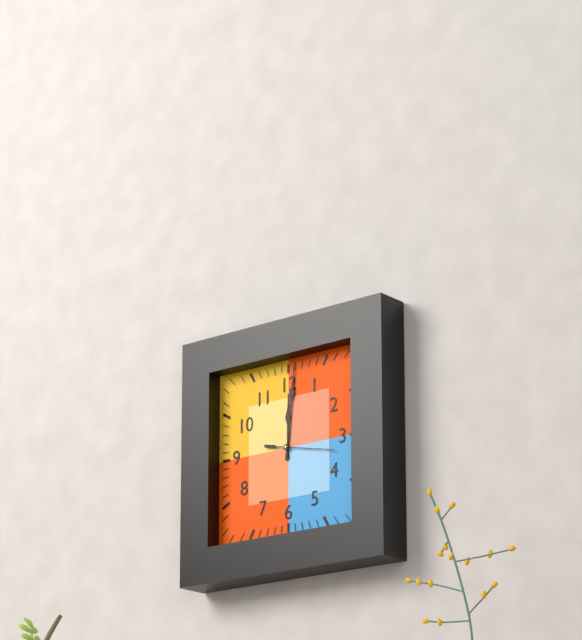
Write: 12:01:17
